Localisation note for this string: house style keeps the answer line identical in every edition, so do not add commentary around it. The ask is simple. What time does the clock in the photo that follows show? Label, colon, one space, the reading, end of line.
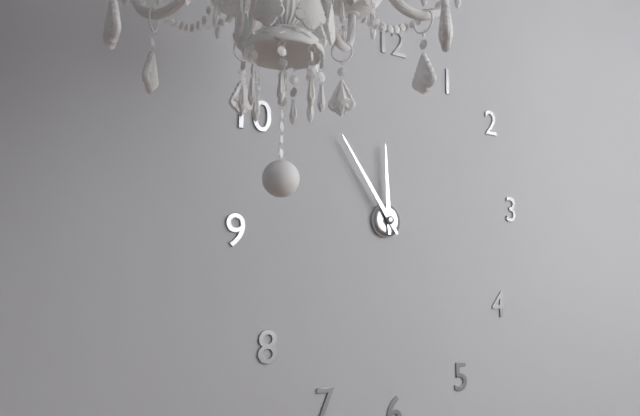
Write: 11:54
